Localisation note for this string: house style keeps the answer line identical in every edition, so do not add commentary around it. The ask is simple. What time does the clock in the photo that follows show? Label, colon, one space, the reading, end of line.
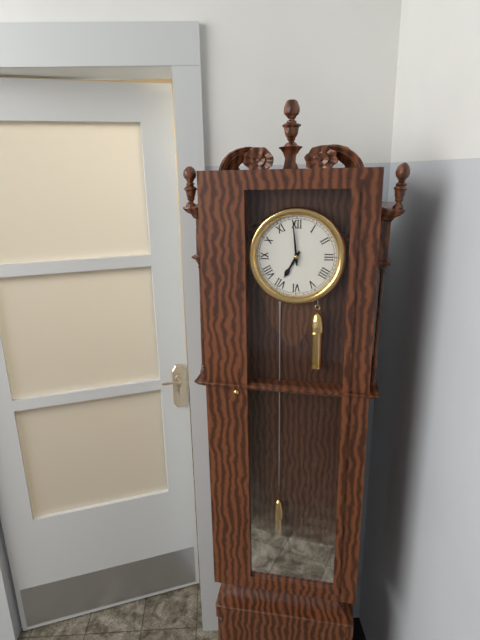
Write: 6:59
